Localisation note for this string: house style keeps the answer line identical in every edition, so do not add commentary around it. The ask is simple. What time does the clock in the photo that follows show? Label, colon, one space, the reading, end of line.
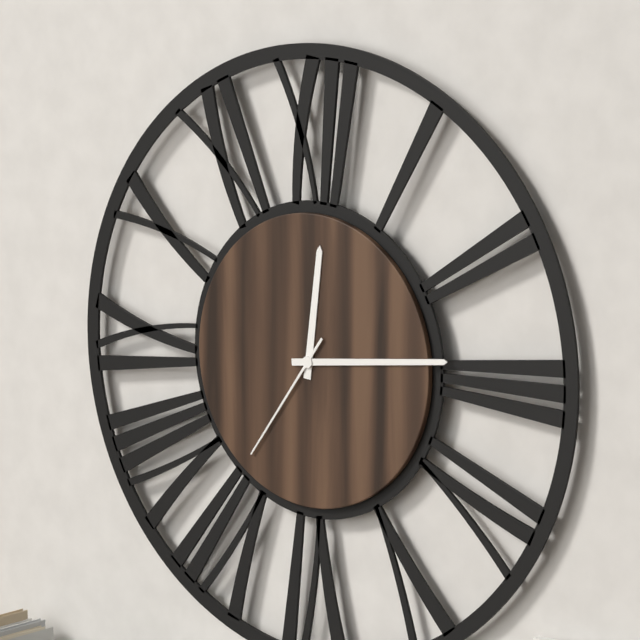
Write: 12:14:36
